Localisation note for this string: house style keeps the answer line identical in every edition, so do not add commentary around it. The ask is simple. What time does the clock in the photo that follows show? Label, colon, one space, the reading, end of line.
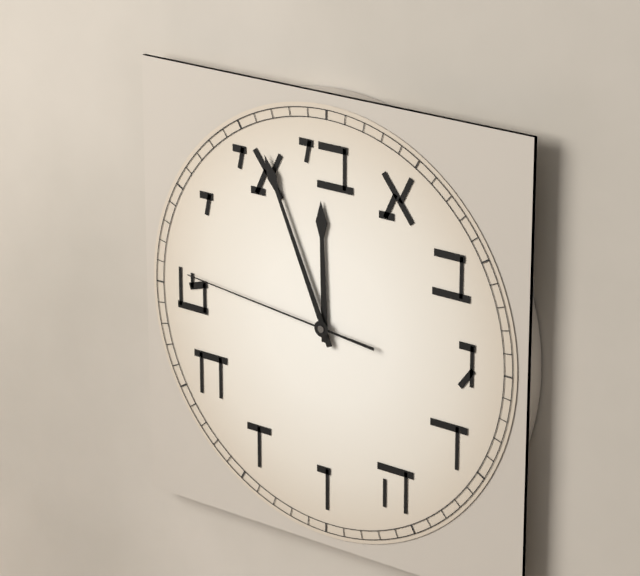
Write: 11:56:46
